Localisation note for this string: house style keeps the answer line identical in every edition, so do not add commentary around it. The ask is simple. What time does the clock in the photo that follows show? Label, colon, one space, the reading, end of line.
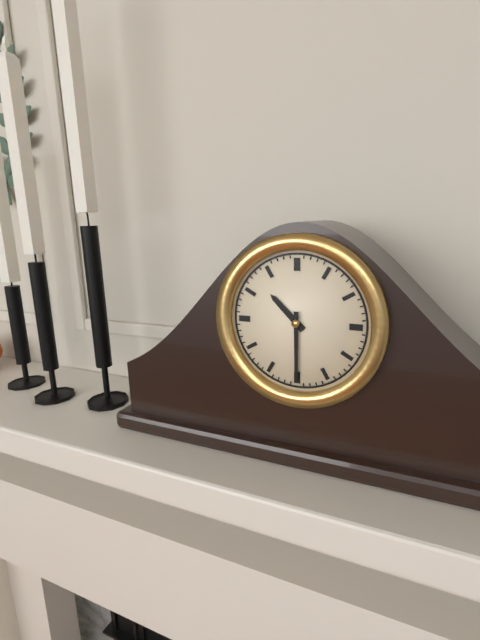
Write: 10:30
